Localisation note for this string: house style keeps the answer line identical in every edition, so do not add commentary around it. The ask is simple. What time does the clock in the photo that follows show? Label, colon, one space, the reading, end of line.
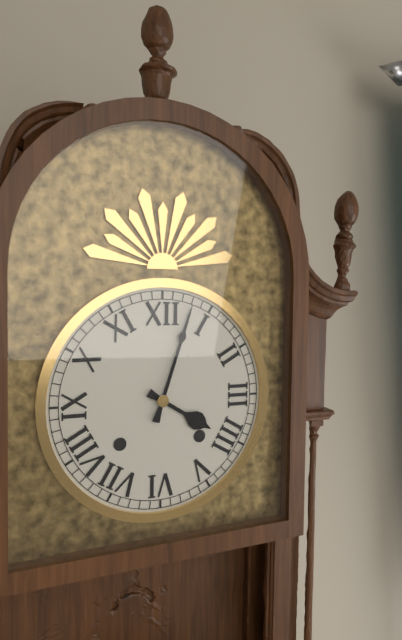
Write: 4:03
